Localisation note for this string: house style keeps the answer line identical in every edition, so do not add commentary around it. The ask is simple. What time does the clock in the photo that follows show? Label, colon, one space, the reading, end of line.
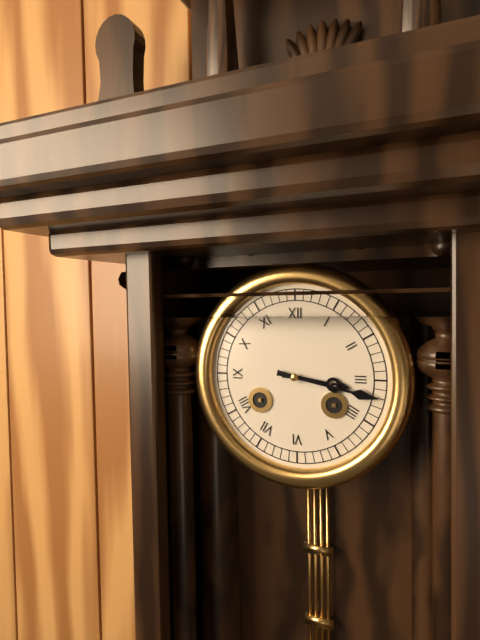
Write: 3:17
